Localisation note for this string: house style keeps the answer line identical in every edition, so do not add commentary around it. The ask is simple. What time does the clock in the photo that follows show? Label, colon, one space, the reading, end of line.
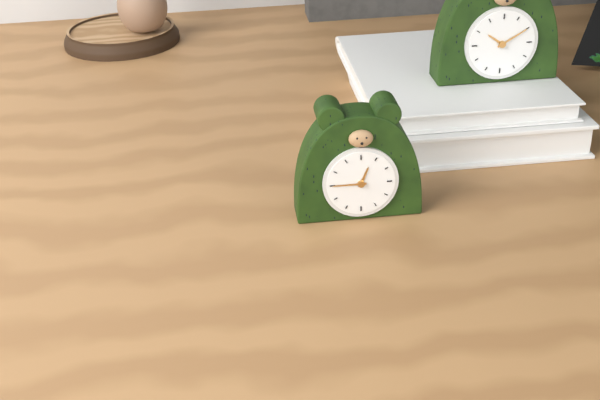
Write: 12:45
